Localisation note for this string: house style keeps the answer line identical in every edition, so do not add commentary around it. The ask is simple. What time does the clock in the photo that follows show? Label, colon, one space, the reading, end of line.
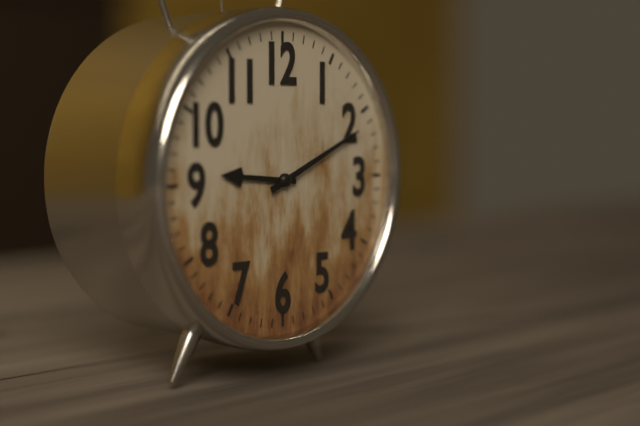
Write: 9:11
